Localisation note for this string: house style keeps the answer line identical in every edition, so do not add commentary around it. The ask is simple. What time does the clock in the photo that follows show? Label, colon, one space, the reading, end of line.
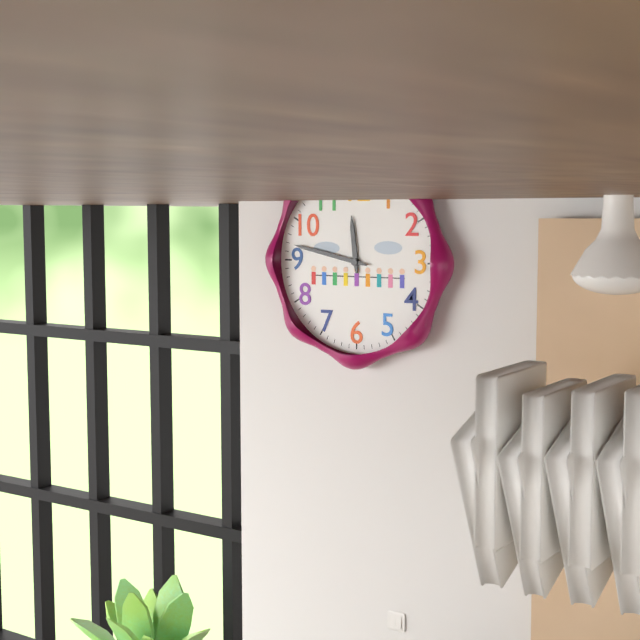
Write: 11:47
